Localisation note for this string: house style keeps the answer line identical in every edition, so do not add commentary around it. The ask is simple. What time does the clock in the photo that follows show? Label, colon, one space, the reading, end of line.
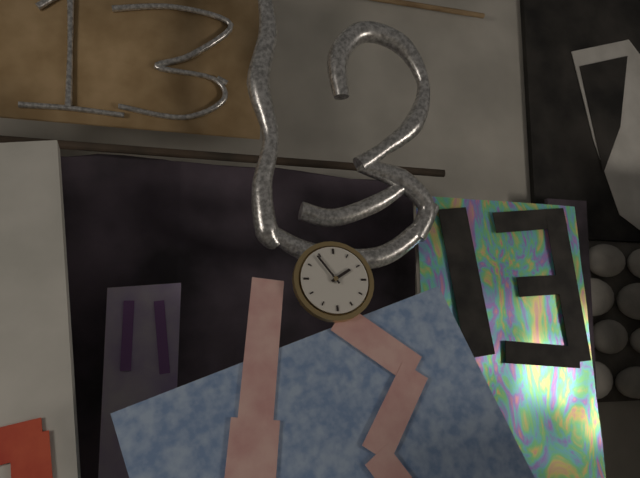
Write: 1:54
